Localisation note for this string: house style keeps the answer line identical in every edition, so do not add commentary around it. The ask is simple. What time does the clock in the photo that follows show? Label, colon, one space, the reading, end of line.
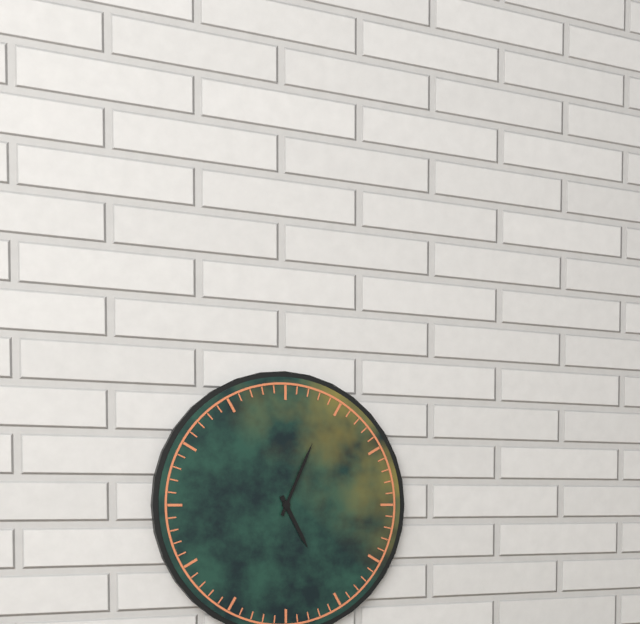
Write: 5:04
